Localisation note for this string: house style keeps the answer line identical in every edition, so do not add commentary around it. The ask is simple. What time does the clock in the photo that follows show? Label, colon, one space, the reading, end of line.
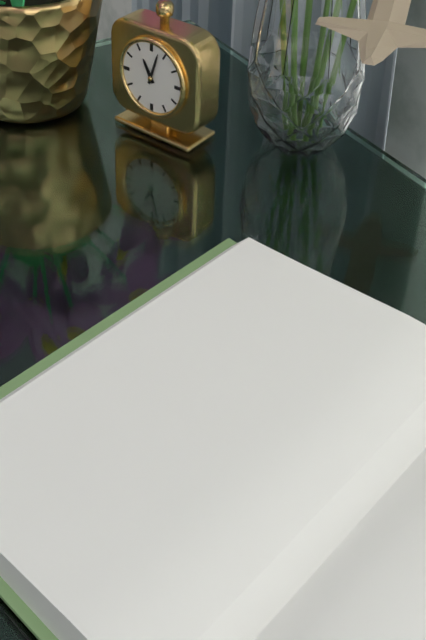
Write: 11:03
